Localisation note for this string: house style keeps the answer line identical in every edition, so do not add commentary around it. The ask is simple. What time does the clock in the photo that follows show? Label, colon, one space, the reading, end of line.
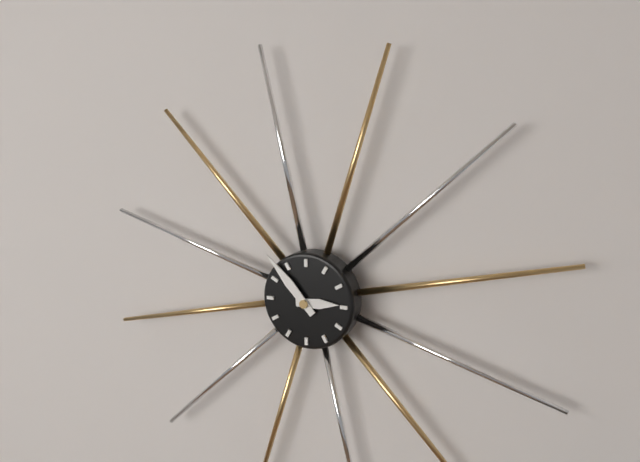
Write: 2:53
